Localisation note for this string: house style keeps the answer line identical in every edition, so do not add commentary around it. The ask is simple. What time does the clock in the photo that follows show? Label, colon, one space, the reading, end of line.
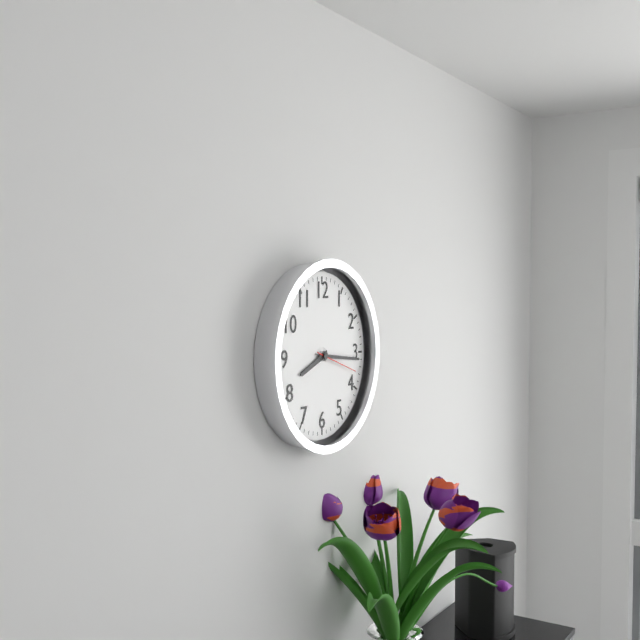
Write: 8:16
